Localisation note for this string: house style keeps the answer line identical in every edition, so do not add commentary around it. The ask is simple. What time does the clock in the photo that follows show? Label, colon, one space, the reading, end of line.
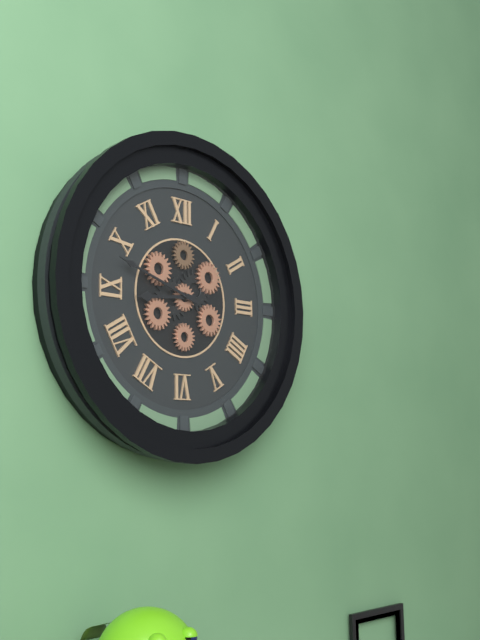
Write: 8:48
